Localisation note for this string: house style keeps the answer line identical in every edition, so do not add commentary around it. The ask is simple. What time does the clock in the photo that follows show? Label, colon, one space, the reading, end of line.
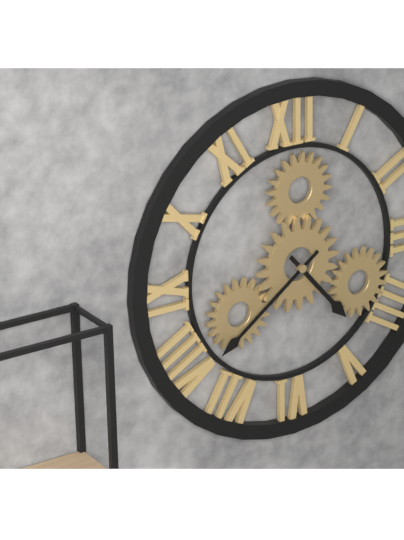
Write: 4:39
